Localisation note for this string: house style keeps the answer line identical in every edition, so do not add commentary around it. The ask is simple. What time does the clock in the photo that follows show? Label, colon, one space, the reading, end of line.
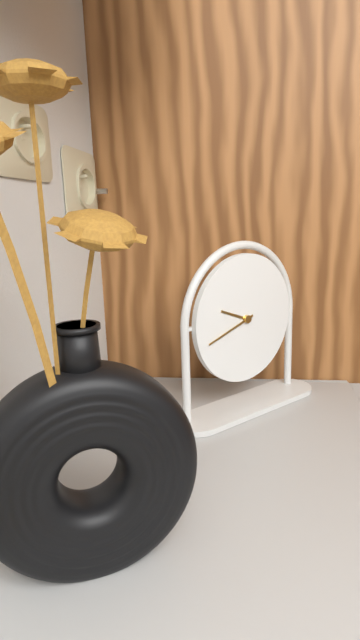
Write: 9:42
